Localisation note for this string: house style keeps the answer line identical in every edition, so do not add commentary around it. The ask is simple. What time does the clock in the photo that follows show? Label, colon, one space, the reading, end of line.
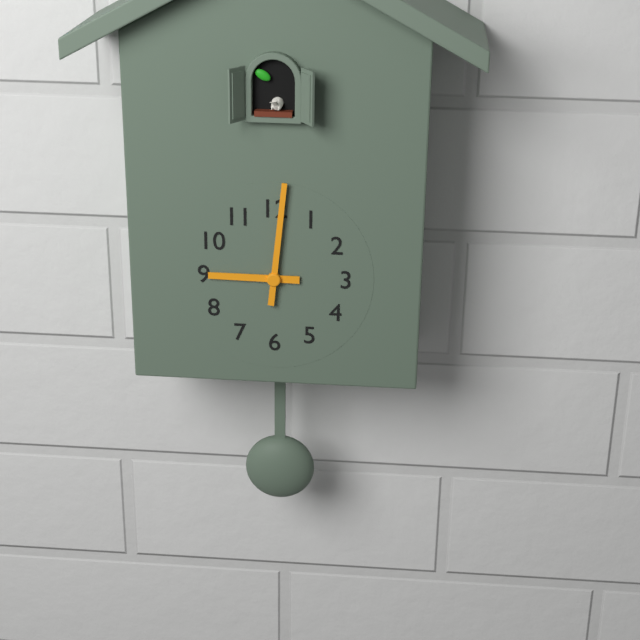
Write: 9:01
